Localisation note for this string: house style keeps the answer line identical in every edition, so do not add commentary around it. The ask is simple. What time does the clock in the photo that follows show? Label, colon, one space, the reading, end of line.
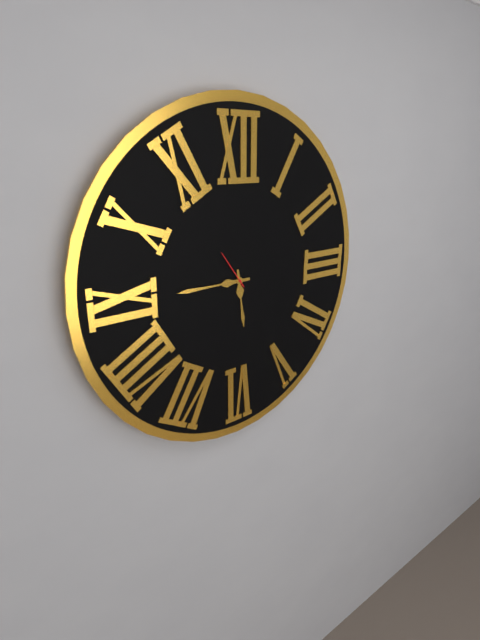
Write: 5:45
